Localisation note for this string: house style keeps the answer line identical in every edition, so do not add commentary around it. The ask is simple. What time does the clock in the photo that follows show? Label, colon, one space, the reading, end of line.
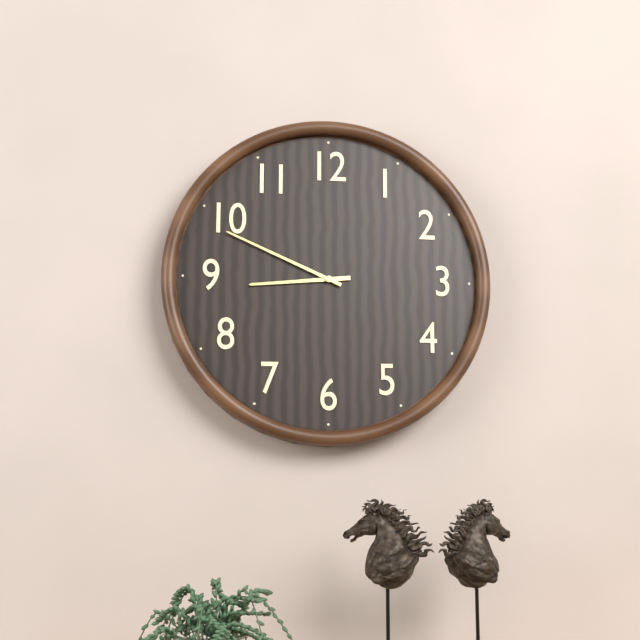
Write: 8:49
